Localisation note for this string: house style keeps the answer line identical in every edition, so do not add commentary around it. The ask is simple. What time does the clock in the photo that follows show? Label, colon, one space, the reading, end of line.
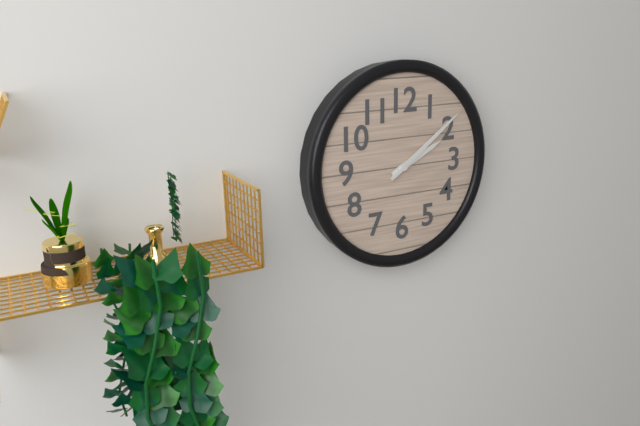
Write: 2:09
